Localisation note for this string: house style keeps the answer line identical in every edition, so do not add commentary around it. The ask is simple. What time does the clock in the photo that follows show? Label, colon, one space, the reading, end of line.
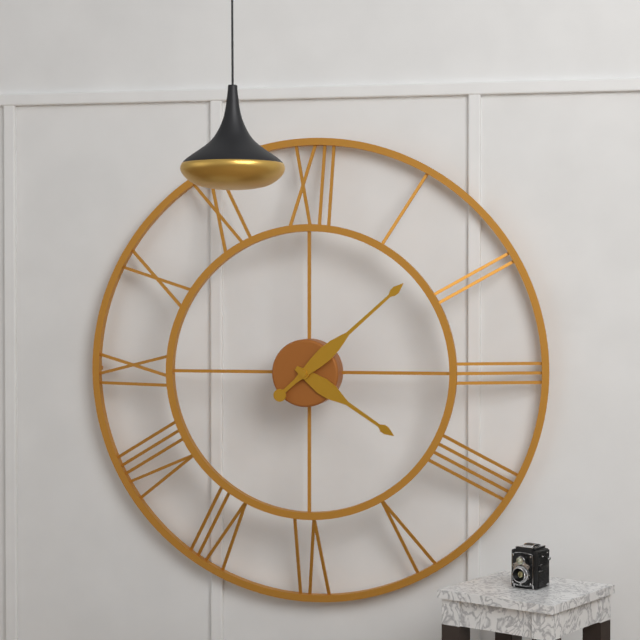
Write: 4:08
